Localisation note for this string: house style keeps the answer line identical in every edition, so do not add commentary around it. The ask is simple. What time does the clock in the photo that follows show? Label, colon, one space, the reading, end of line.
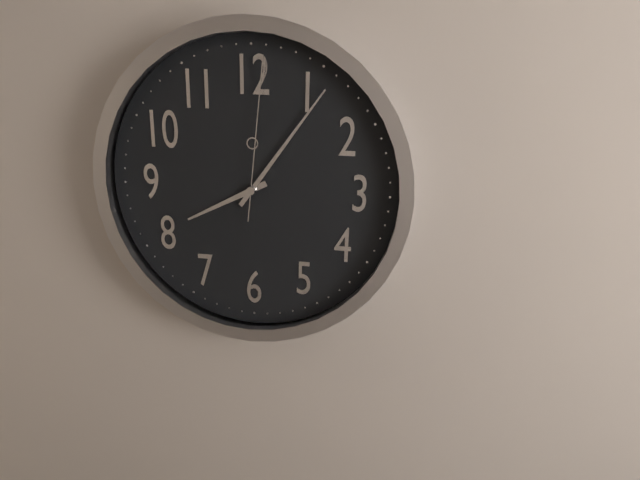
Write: 8:06:01
